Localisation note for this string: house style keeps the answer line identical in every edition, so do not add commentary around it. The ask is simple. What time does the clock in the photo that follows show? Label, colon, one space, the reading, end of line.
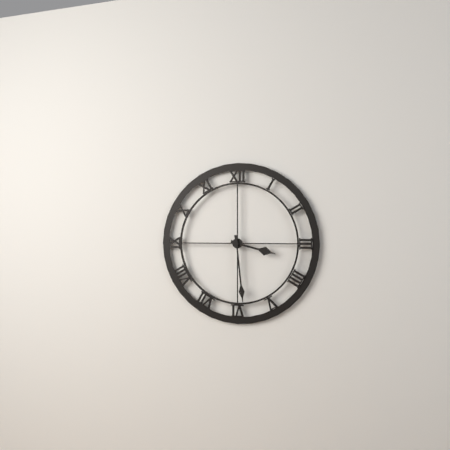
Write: 3:29
